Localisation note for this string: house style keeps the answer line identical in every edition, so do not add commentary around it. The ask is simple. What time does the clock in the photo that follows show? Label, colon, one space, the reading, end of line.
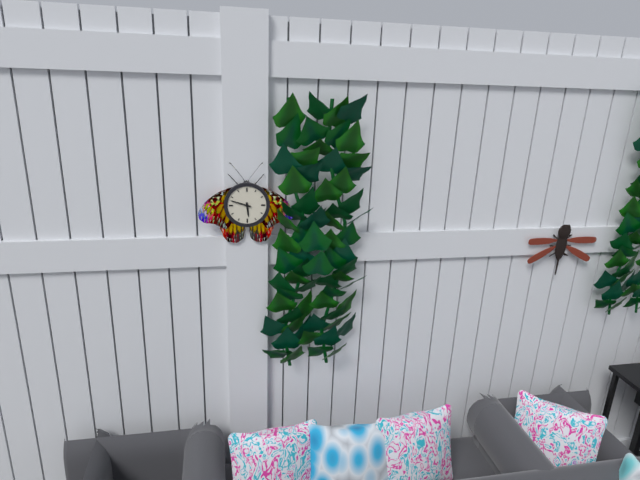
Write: 5:48
